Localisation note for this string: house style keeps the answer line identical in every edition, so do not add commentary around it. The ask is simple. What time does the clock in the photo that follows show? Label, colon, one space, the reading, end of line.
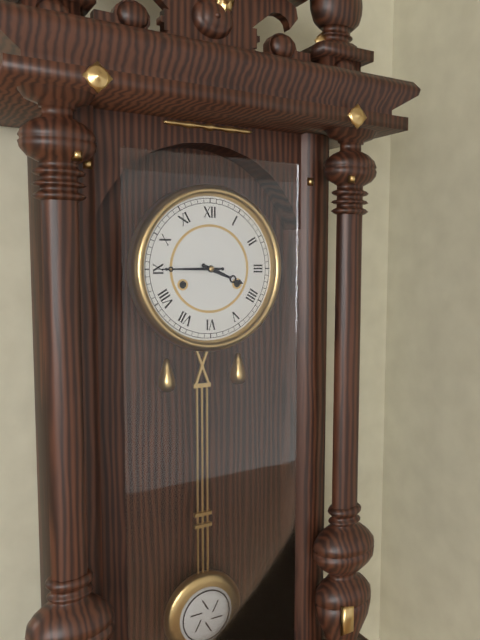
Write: 3:45
